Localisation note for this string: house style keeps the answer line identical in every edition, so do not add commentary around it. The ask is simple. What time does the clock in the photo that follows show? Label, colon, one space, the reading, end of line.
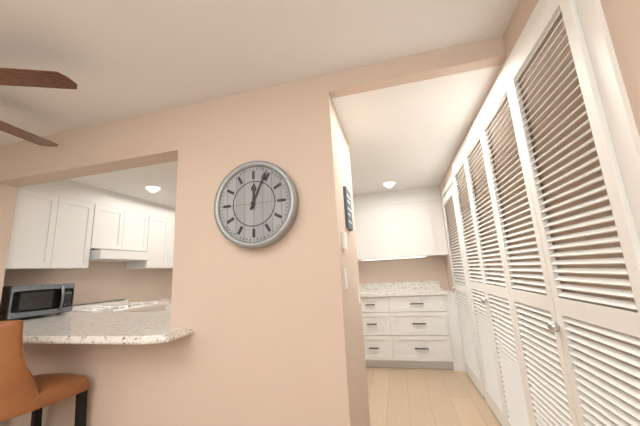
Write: 12:04
